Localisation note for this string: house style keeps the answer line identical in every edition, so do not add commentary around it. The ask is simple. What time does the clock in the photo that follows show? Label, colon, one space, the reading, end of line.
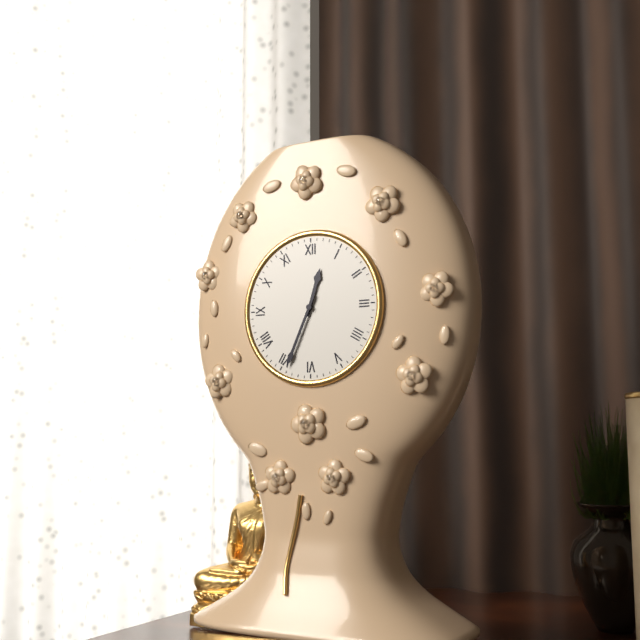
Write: 12:34
